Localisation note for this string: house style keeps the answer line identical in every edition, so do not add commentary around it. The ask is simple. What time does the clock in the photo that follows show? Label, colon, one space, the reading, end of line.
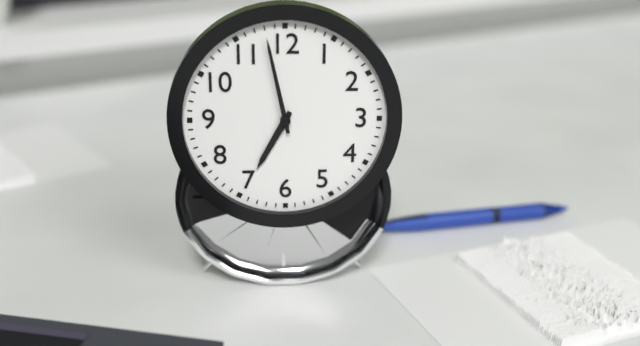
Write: 6:58
